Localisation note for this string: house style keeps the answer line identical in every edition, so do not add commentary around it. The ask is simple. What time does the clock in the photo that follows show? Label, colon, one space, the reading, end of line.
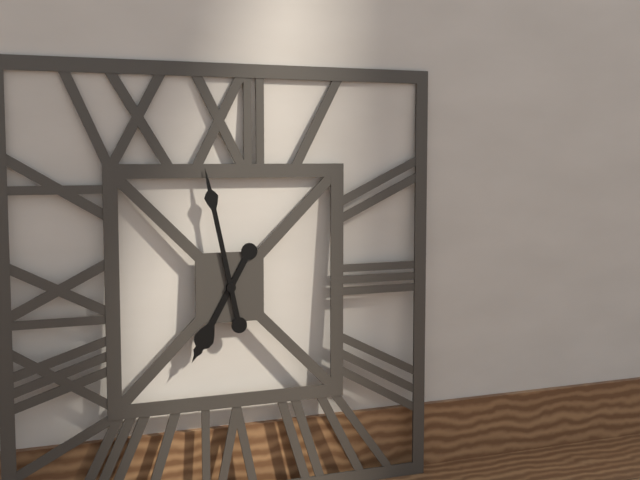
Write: 6:58
